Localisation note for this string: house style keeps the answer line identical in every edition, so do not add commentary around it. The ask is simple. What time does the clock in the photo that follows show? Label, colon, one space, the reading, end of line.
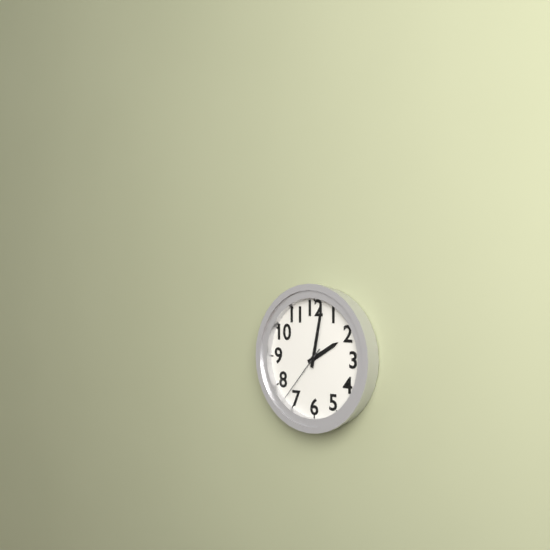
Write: 2:02:37
